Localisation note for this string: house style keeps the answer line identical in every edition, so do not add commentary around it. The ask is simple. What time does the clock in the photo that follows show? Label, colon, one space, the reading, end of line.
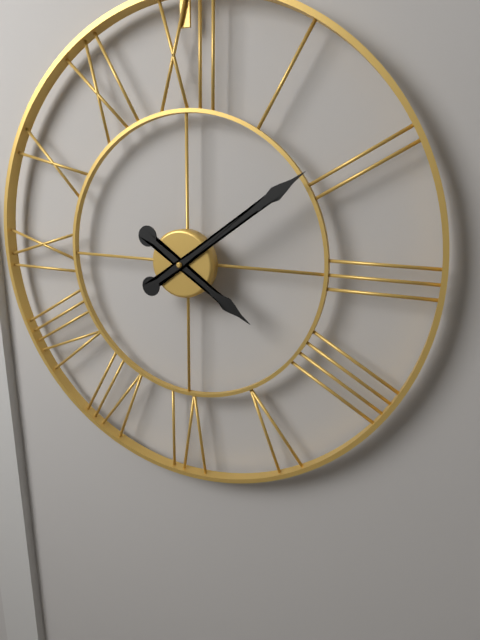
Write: 4:09
